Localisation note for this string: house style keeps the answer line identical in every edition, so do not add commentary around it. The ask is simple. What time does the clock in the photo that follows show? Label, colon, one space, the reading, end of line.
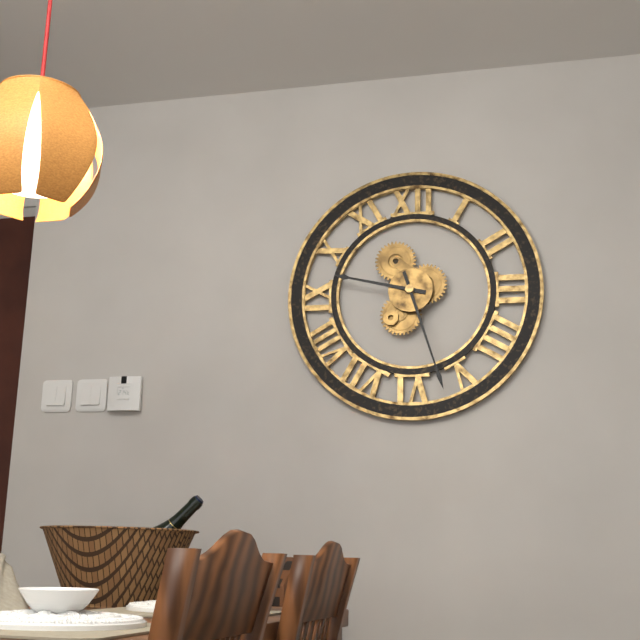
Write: 9:27
